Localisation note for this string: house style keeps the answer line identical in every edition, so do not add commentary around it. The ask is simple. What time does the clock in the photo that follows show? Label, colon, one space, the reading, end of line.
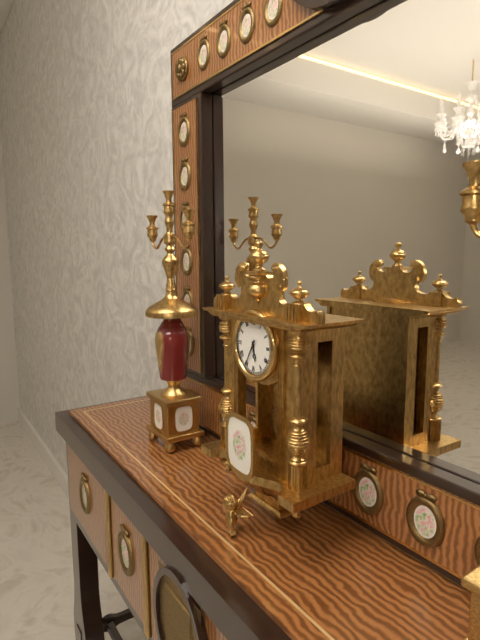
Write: 5:35
